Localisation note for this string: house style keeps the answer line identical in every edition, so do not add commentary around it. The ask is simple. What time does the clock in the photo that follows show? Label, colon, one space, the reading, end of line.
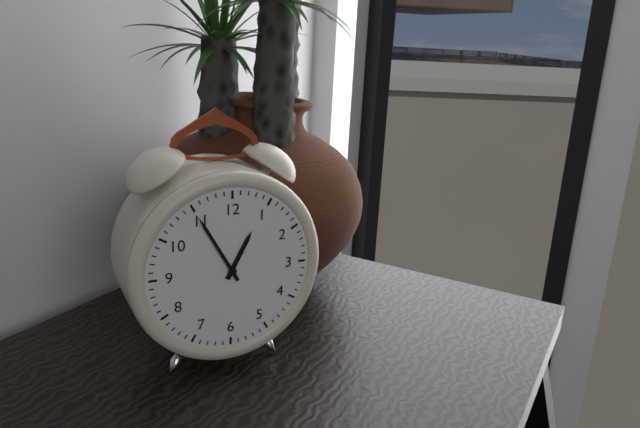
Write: 12:55
